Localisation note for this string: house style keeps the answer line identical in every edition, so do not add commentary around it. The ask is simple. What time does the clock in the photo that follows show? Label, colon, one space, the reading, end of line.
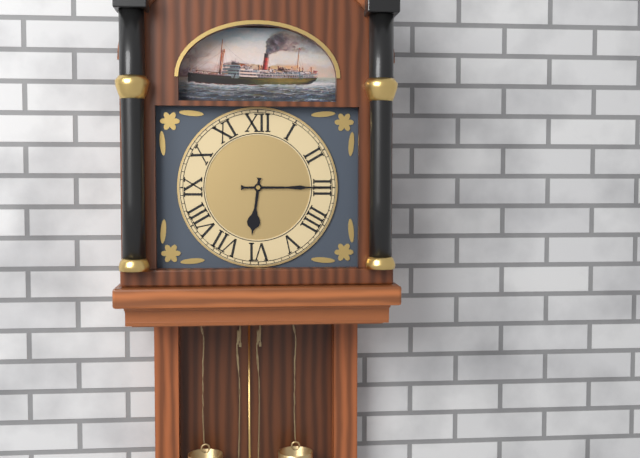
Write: 6:15
